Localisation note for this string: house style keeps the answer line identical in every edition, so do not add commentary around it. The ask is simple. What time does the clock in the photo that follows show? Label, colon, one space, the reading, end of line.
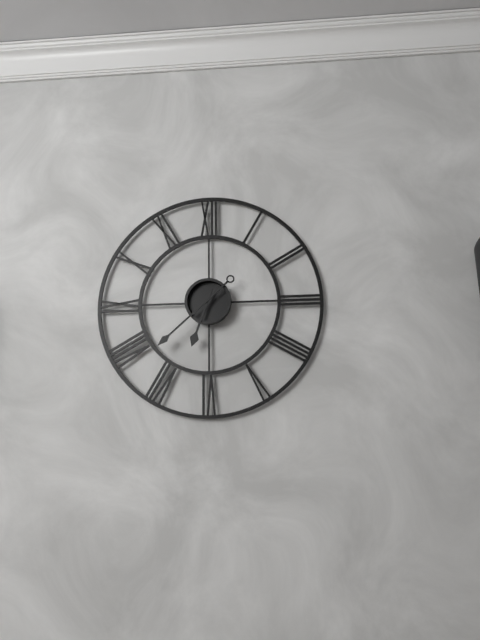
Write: 6:38
